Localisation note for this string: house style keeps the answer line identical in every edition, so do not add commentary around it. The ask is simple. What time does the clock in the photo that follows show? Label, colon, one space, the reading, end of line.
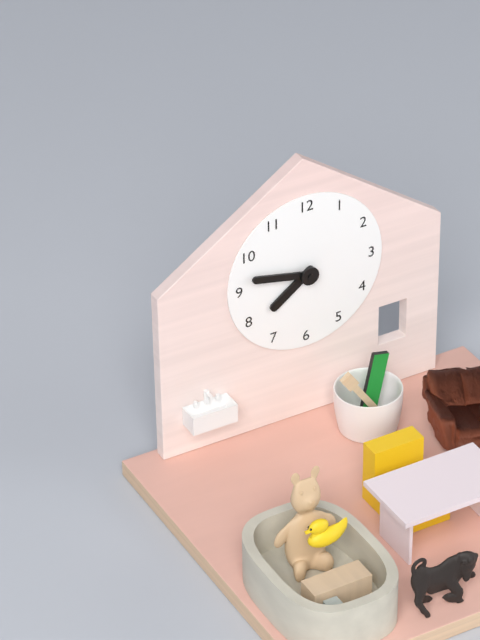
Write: 7:47
